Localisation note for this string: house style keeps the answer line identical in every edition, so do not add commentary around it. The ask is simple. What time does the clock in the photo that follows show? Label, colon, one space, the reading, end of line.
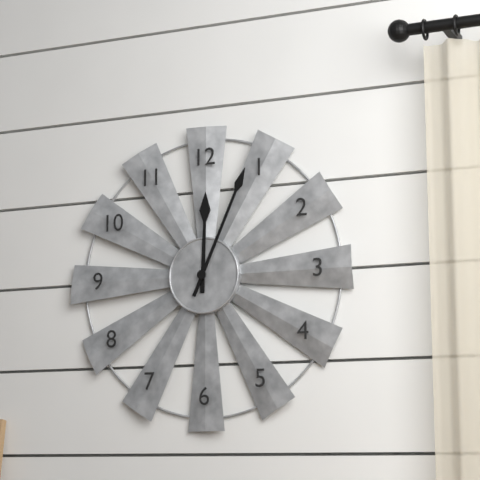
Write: 12:04
